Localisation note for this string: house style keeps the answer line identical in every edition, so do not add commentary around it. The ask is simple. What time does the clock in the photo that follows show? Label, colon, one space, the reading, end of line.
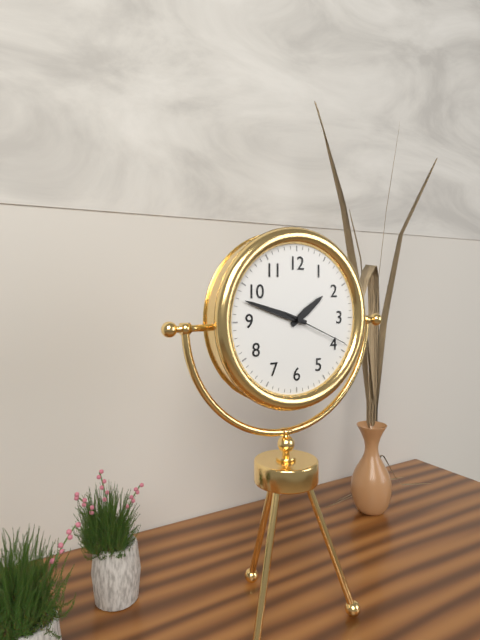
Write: 1:48:19
